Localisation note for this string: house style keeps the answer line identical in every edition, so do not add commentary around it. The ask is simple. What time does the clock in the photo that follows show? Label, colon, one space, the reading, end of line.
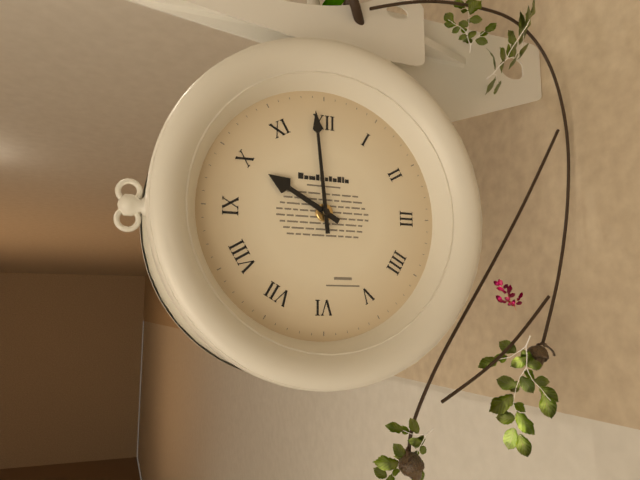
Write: 9:59
